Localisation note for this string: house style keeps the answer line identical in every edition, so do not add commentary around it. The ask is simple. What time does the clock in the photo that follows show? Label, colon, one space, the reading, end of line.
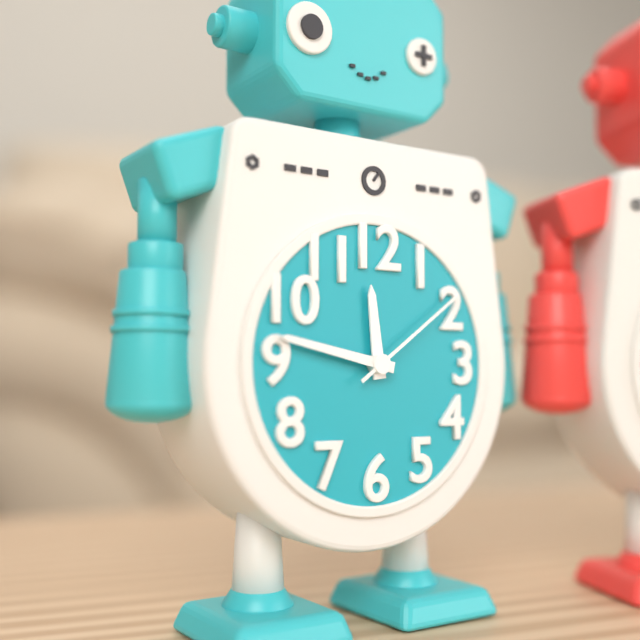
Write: 11:47:09
